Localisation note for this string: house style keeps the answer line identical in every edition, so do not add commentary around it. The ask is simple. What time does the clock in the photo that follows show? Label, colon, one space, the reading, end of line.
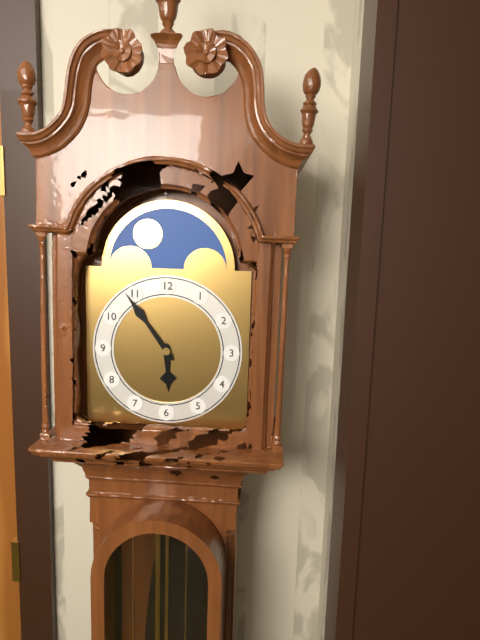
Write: 5:54
